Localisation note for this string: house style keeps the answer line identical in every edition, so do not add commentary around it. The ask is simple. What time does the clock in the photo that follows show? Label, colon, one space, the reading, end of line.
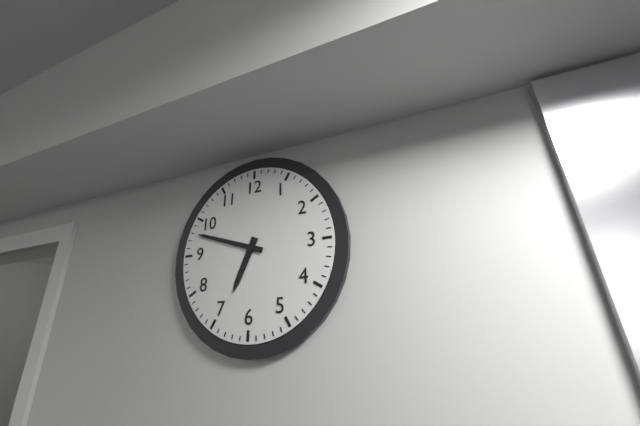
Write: 6:48
